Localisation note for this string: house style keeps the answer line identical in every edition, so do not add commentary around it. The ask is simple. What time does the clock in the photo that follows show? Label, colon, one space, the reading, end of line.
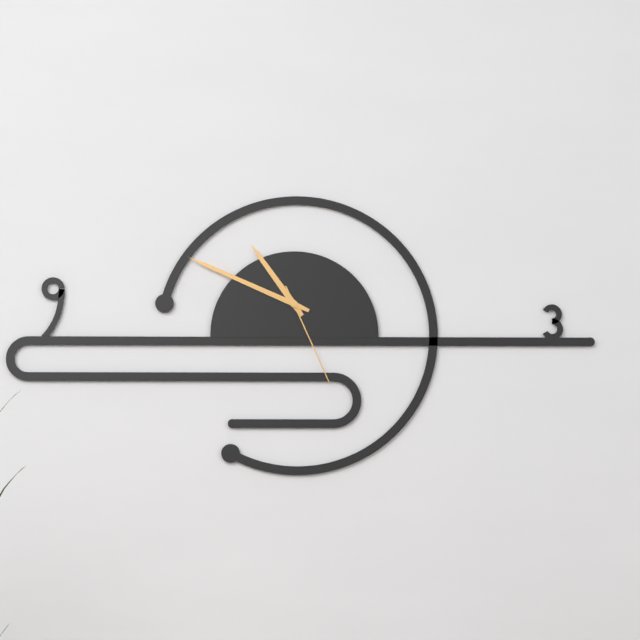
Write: 10:49:26
